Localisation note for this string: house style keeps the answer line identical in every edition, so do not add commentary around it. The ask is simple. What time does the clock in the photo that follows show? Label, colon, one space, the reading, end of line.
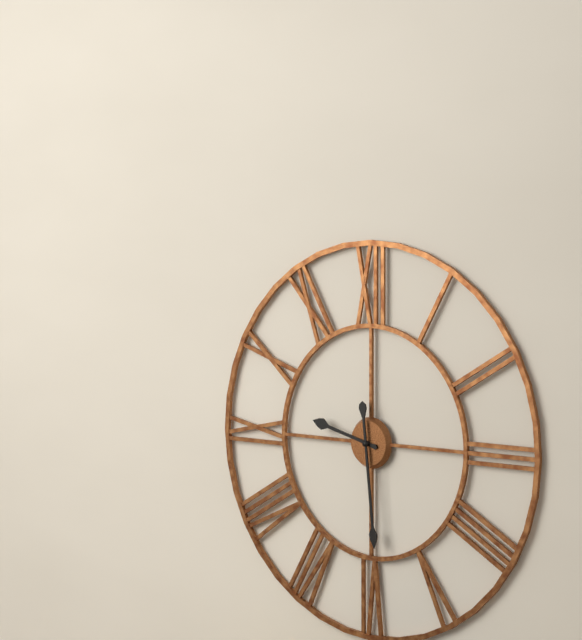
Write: 9:29
